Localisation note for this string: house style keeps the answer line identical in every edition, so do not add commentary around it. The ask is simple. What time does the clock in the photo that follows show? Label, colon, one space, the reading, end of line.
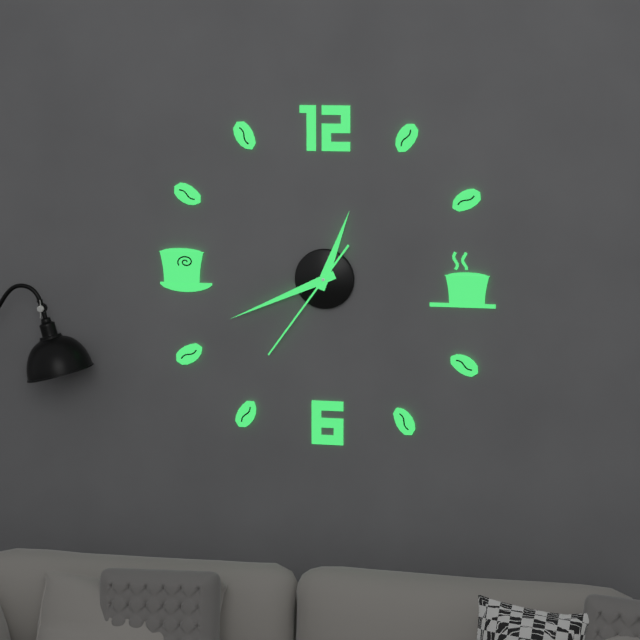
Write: 12:41:36
